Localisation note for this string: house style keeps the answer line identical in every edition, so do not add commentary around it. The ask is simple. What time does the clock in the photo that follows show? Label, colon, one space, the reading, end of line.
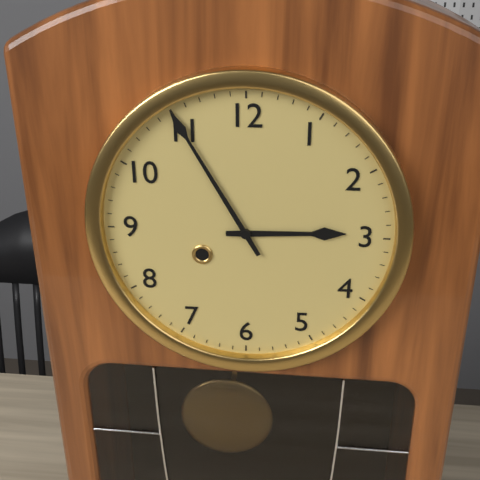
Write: 2:55
